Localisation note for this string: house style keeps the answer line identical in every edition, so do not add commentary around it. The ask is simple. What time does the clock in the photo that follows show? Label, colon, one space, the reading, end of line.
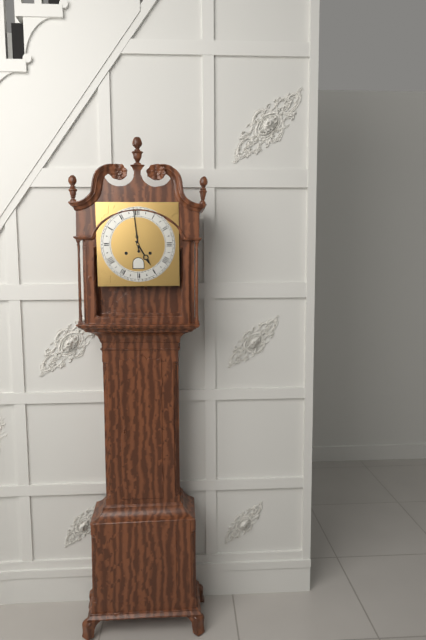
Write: 4:59
